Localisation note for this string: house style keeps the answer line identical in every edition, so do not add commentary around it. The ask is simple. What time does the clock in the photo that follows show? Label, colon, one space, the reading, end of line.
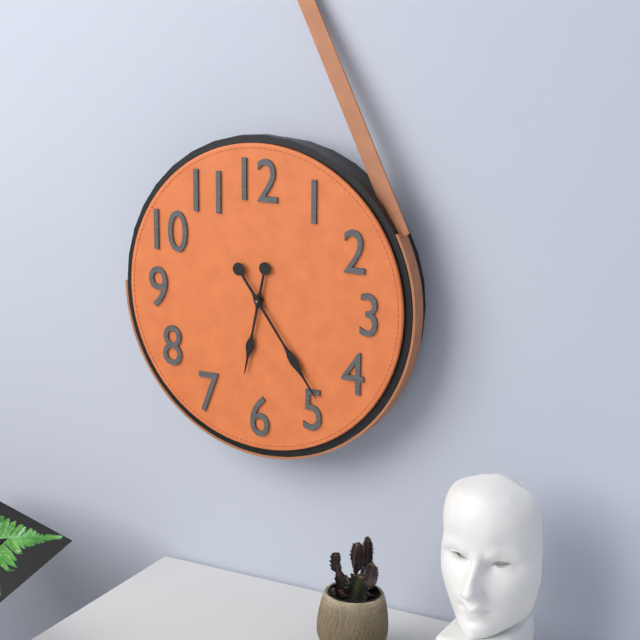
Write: 6:24
